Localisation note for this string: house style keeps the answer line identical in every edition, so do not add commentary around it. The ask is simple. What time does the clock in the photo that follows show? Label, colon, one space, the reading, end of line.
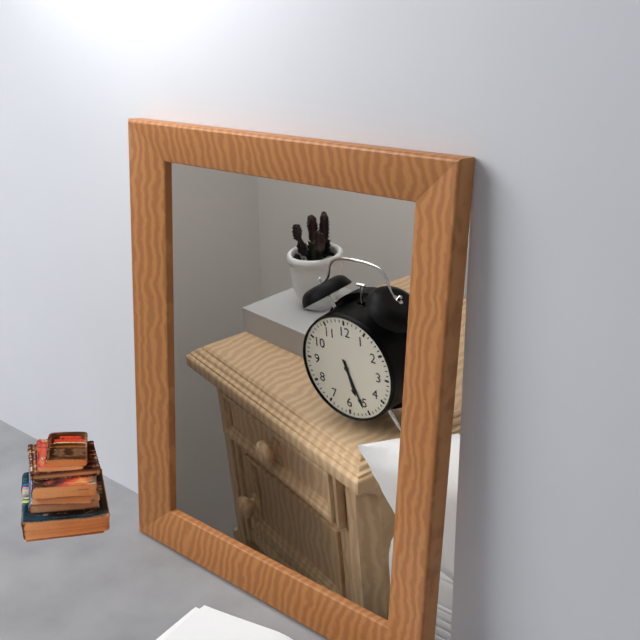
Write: 5:26
